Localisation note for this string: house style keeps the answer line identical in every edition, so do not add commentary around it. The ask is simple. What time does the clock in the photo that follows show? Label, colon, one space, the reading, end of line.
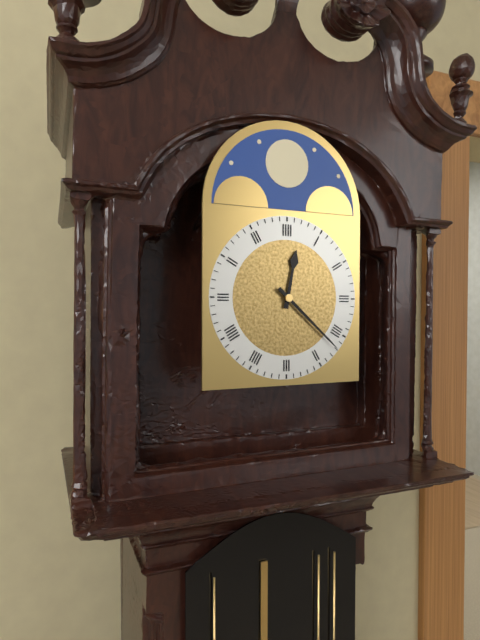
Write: 12:22
